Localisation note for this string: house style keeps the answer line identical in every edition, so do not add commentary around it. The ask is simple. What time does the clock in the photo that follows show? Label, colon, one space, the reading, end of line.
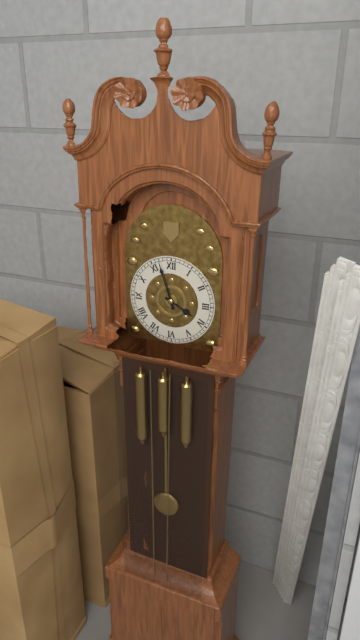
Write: 3:57
